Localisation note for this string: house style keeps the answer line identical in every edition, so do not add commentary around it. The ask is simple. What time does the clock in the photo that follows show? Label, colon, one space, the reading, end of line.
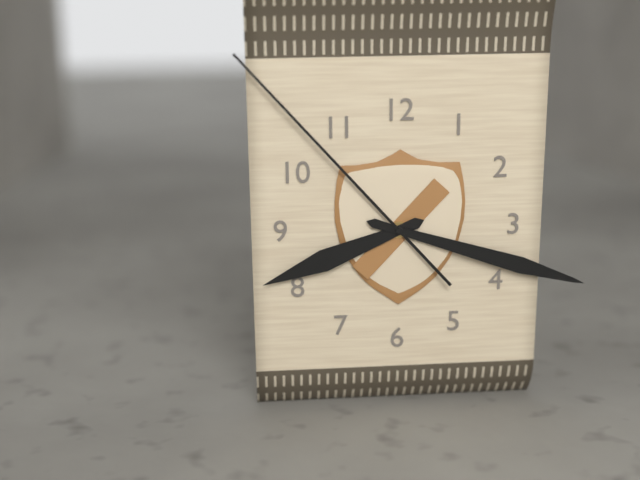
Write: 8:18:53
